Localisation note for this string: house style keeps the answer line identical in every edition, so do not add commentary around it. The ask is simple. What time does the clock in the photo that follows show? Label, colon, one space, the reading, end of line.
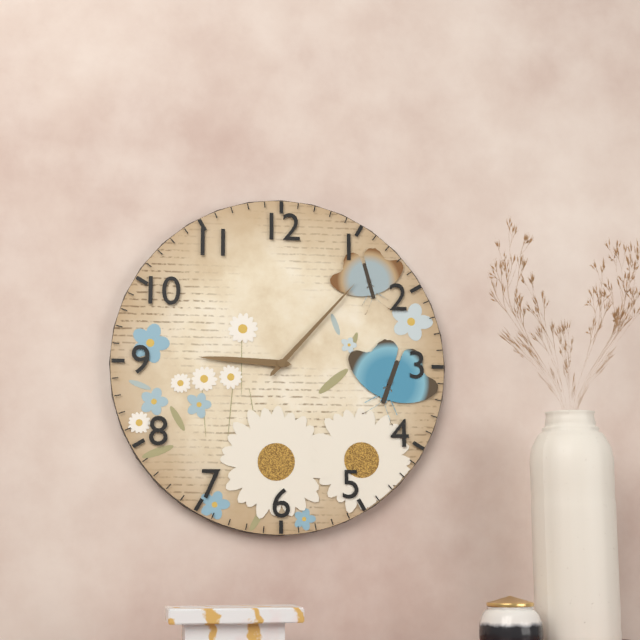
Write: 9:07
